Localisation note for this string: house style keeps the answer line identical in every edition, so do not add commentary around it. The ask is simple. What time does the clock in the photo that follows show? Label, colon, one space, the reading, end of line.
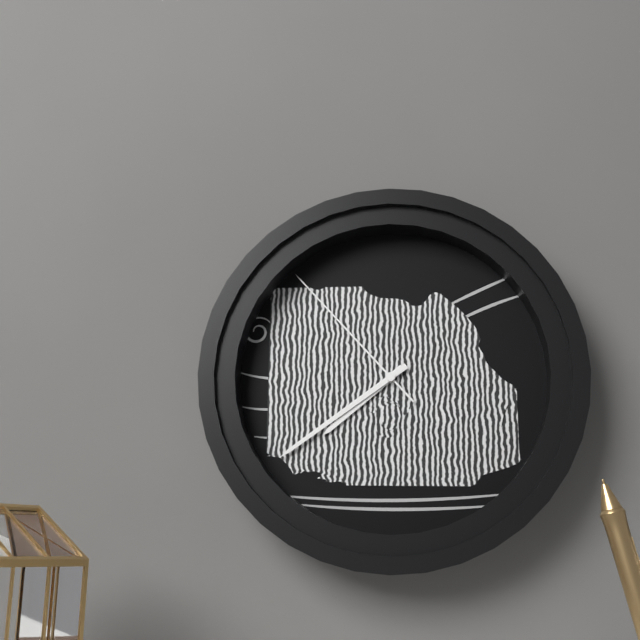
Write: 7:39:53
